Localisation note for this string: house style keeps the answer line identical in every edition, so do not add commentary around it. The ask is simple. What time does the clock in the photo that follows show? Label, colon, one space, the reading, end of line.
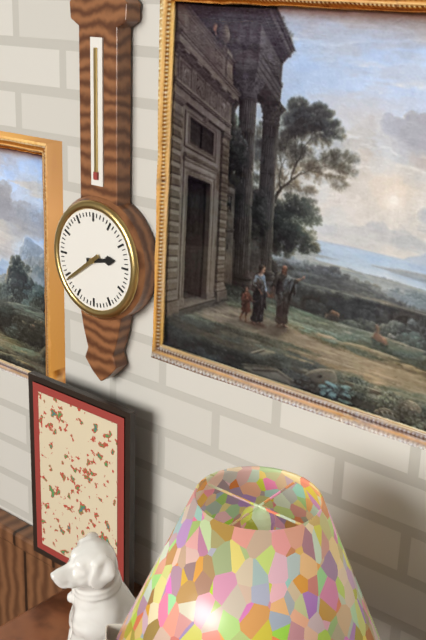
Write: 2:39
